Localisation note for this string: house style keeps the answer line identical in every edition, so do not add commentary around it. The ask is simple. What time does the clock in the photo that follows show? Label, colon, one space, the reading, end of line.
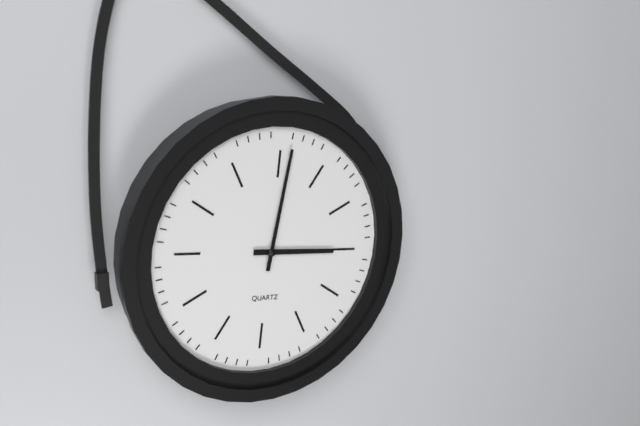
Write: 3:01
